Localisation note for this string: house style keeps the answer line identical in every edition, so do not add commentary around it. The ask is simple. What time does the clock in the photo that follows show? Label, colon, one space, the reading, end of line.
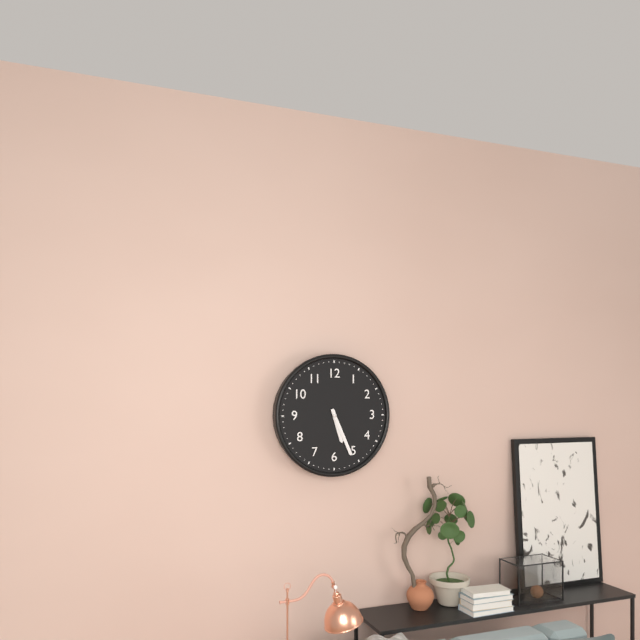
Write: 5:26
